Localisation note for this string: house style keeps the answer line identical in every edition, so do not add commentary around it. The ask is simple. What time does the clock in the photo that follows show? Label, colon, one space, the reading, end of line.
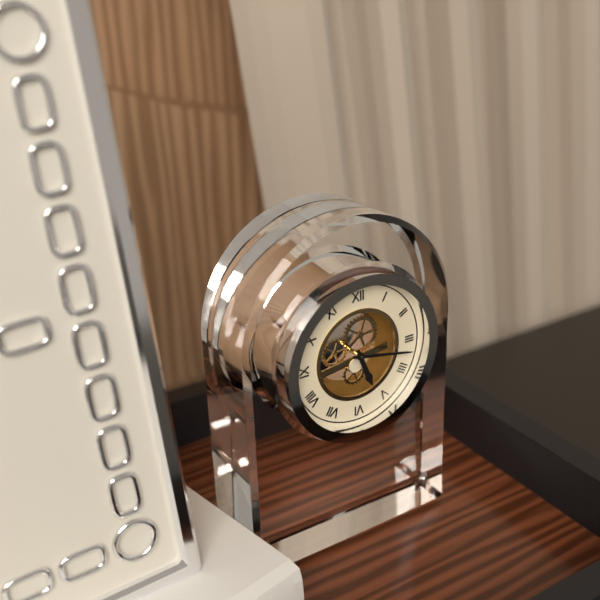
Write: 5:17
